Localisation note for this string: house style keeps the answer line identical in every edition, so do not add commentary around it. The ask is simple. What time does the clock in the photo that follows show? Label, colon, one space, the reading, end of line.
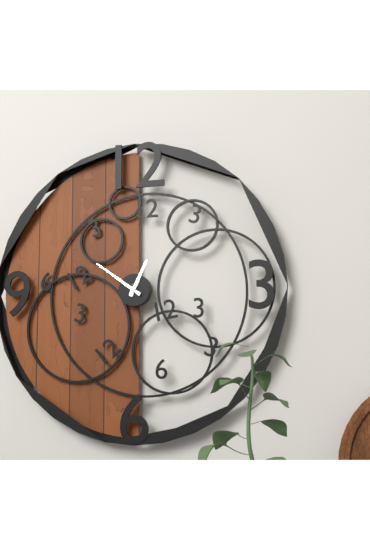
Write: 12:51
